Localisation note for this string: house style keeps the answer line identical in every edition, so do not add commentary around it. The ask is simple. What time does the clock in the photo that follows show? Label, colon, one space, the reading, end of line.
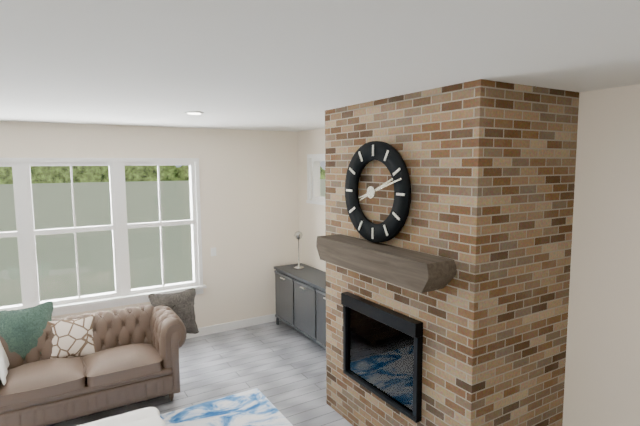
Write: 2:12
